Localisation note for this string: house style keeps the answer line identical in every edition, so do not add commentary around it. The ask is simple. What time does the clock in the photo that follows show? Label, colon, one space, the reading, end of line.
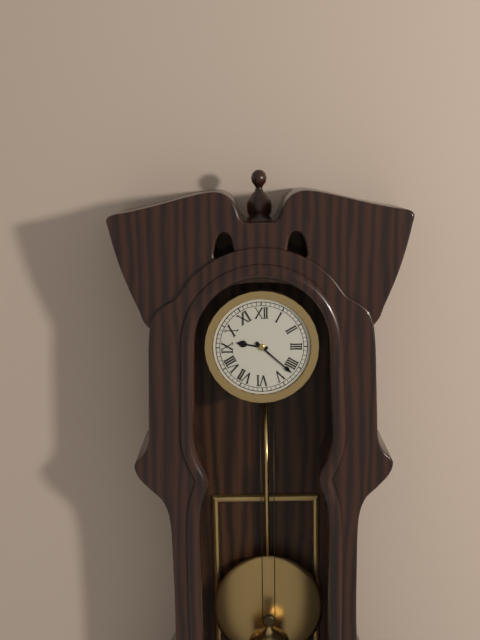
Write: 9:22
